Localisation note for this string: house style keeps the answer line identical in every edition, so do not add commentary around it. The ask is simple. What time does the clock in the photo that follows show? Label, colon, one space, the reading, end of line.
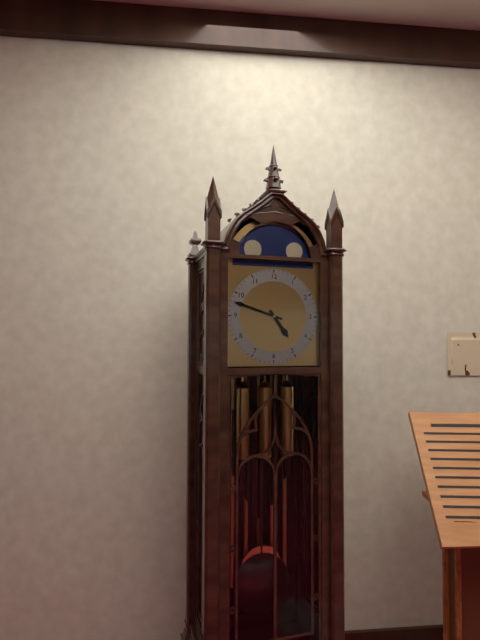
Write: 4:48
